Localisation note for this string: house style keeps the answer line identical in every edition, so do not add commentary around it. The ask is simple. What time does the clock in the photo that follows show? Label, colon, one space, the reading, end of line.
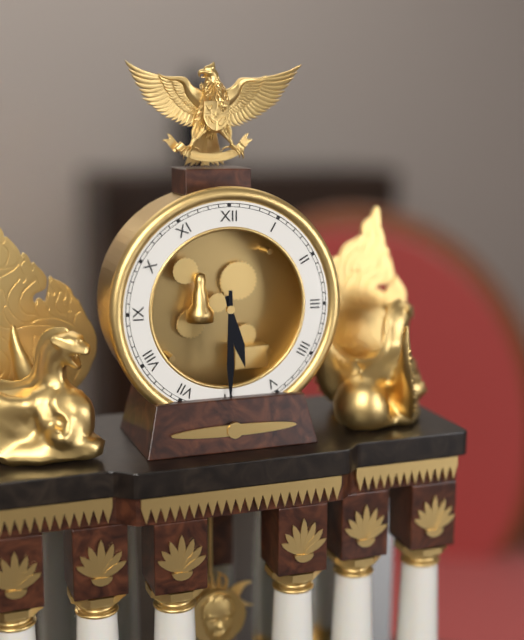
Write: 5:30
